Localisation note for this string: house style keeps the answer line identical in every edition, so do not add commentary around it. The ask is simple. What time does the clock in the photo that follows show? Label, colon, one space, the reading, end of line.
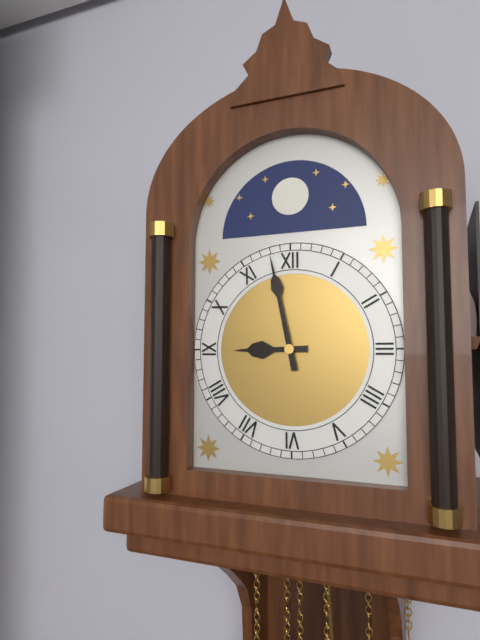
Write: 8:58
